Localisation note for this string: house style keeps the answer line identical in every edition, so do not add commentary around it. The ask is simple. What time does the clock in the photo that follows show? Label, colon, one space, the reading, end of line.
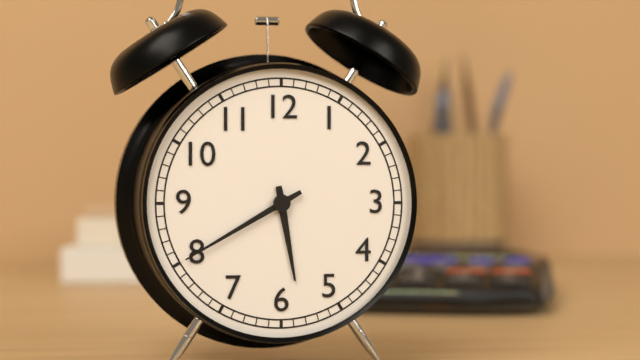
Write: 5:40
